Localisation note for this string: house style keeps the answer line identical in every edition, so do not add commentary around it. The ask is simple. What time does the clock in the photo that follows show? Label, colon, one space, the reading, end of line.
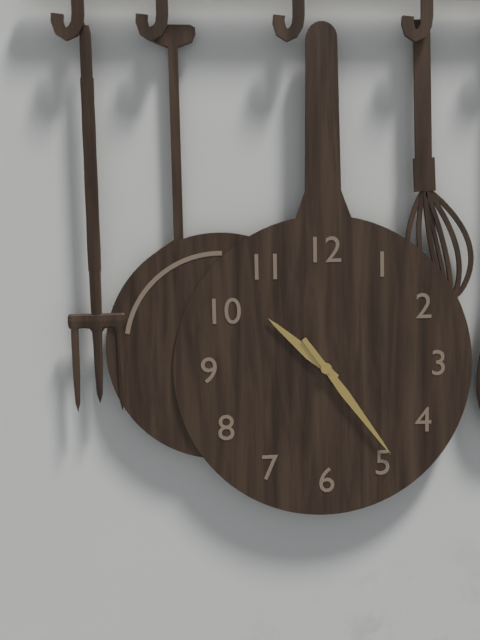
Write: 10:24
